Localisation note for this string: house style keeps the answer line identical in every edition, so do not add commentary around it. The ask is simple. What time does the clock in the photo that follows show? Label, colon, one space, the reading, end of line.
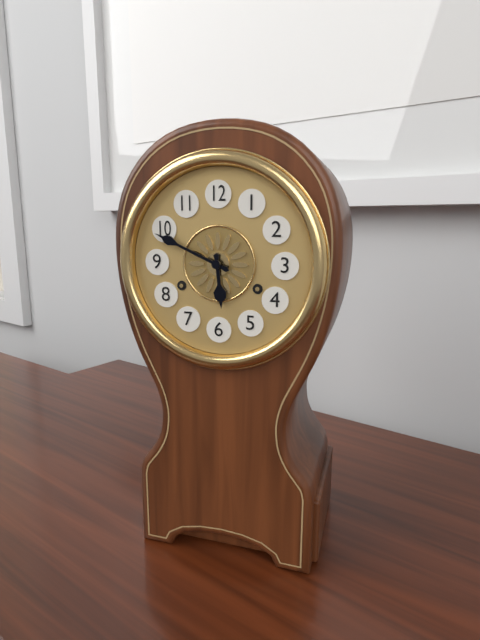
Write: 5:49
